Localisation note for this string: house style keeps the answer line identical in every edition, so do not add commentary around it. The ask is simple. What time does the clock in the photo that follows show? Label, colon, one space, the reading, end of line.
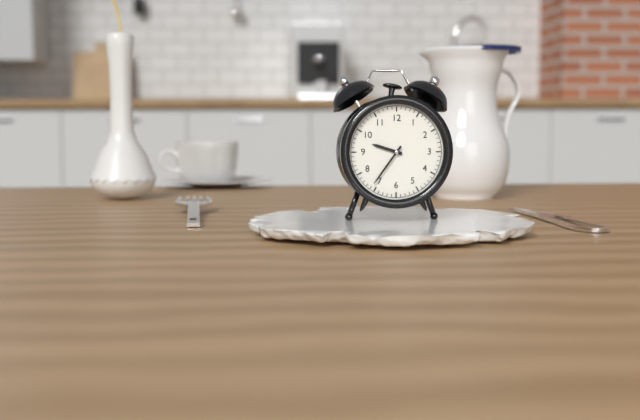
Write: 9:36
